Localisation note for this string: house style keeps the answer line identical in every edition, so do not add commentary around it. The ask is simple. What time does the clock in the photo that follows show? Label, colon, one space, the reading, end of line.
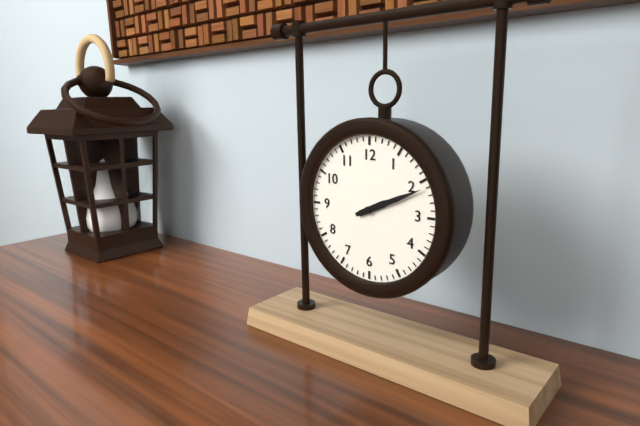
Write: 2:11
